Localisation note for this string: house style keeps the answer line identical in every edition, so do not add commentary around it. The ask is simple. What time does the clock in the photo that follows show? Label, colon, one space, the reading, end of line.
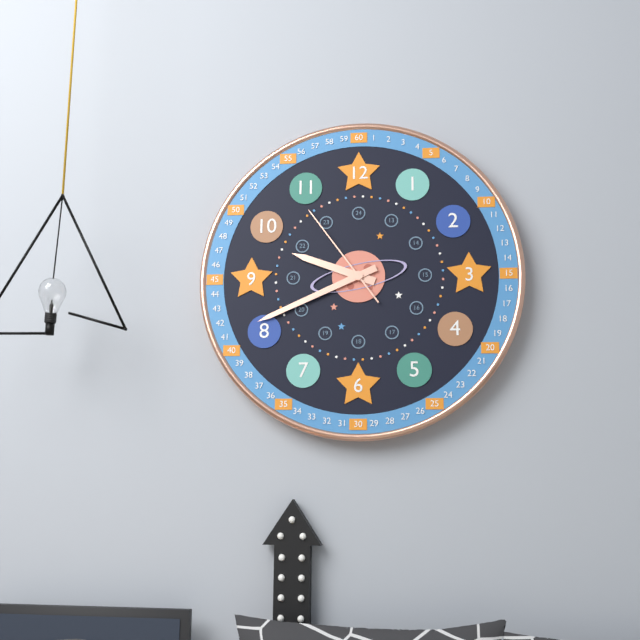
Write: 9:41:54
